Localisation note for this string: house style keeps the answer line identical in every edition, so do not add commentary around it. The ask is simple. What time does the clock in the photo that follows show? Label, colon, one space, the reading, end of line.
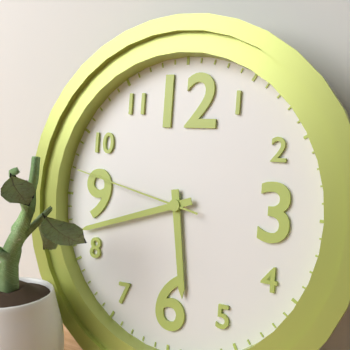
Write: 5:42:47
